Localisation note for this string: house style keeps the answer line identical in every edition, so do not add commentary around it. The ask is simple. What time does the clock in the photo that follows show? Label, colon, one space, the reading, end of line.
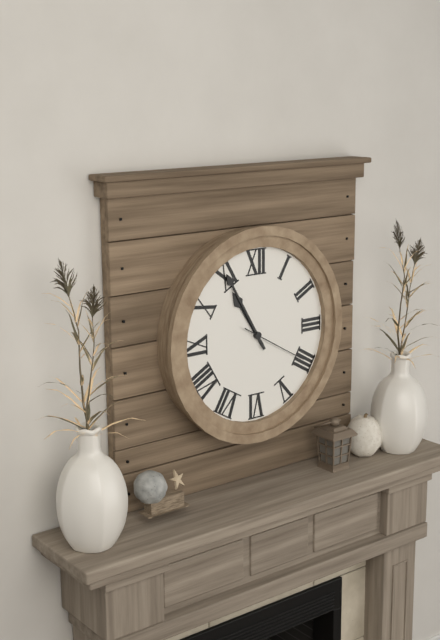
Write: 10:55:20
